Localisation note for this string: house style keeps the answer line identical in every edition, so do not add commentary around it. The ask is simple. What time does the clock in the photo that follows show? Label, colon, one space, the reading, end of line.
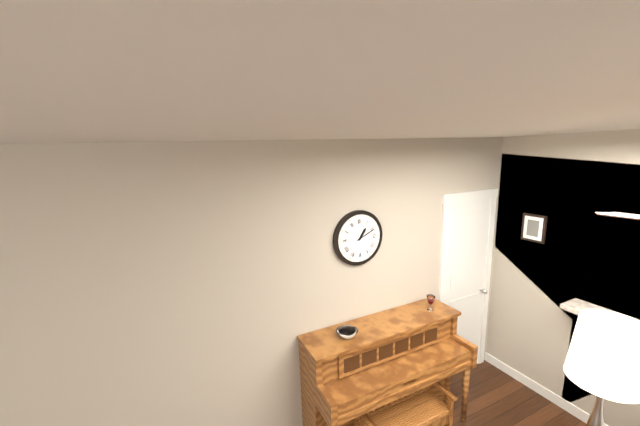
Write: 1:11
